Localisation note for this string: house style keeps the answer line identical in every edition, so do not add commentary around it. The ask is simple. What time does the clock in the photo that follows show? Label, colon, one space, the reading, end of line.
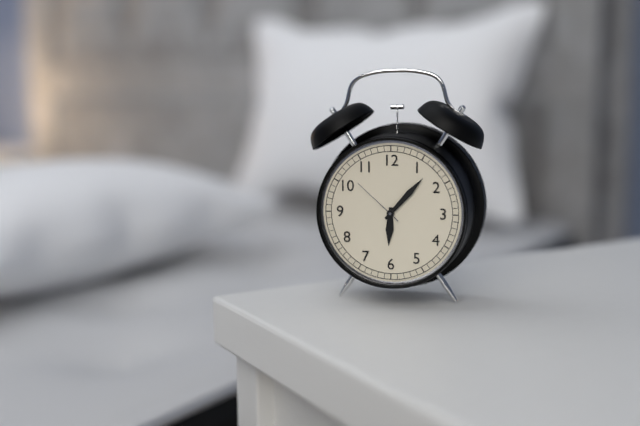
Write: 6:07:52
